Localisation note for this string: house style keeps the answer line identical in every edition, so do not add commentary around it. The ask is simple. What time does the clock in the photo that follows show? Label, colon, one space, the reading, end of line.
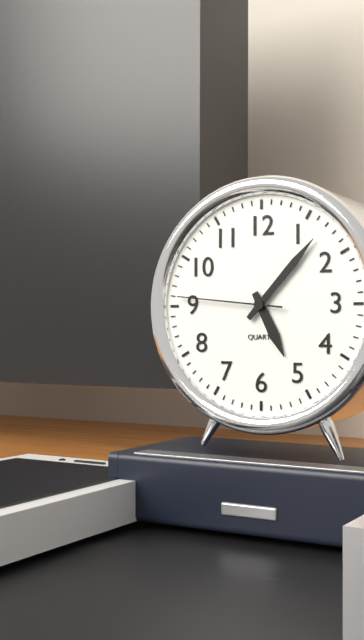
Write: 5:07:46
